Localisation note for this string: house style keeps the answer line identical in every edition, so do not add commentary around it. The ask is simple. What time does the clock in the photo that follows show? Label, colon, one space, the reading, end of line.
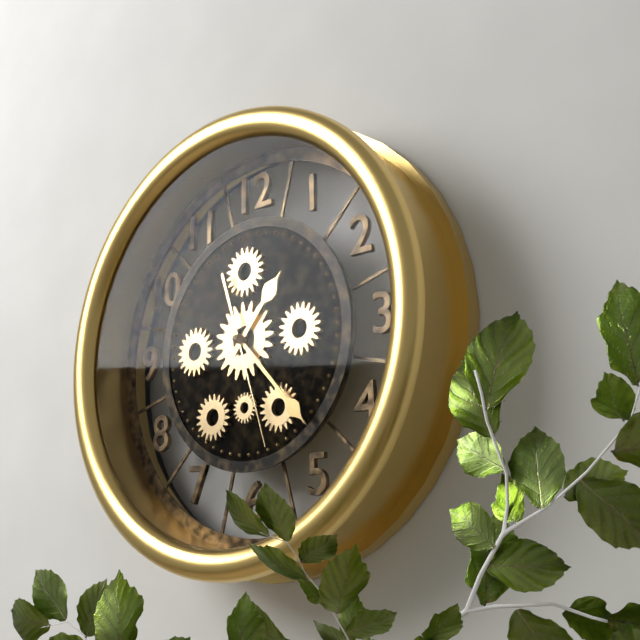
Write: 1:23:27
